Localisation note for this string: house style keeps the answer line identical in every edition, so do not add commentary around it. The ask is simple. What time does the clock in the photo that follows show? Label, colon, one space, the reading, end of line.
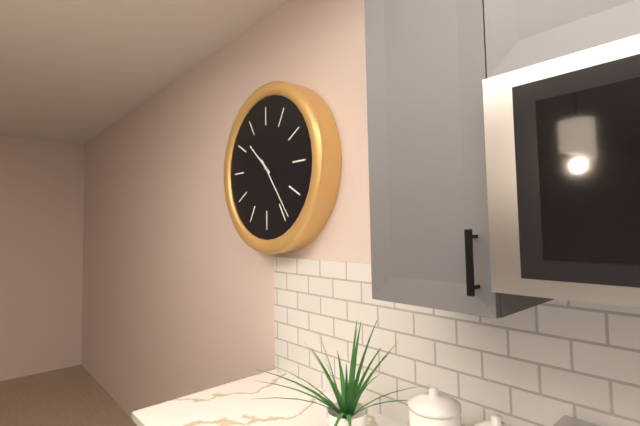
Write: 10:24
